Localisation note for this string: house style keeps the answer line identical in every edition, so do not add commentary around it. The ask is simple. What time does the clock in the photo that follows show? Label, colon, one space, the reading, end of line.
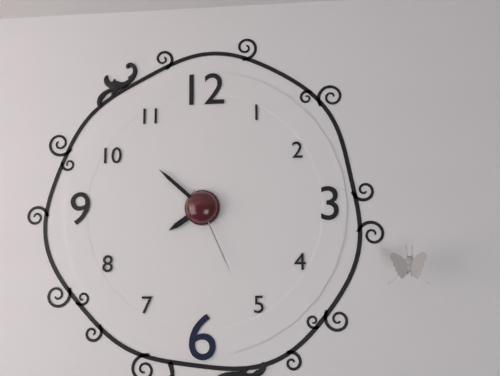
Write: 7:52:26
